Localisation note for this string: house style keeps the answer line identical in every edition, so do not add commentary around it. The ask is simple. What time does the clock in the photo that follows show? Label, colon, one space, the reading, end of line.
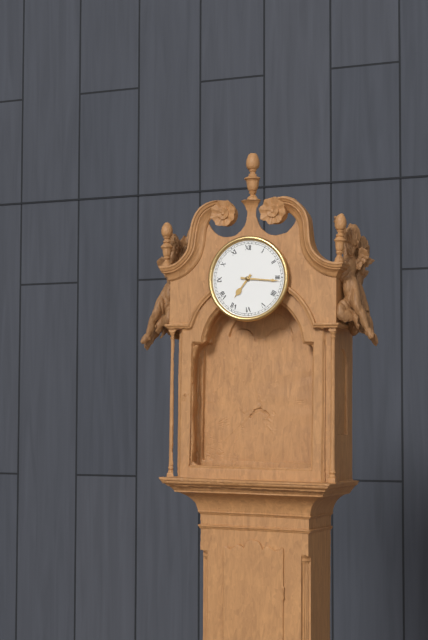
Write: 7:16
